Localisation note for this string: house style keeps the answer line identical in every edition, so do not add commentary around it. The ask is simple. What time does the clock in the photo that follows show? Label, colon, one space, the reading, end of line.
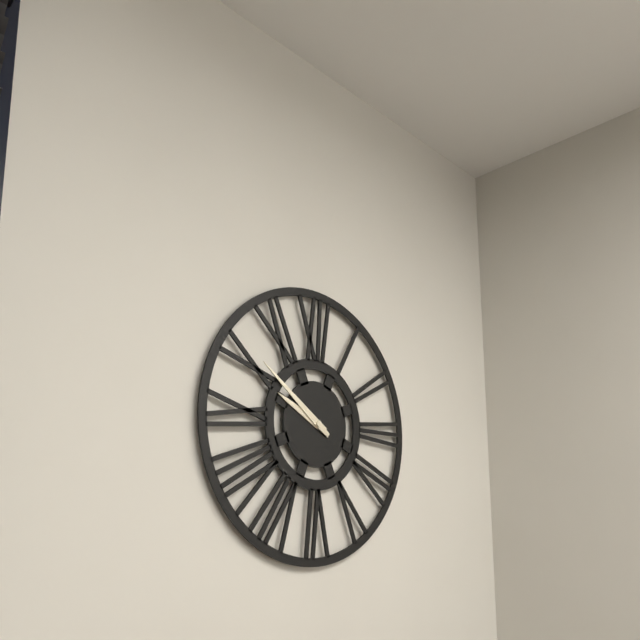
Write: 9:51
